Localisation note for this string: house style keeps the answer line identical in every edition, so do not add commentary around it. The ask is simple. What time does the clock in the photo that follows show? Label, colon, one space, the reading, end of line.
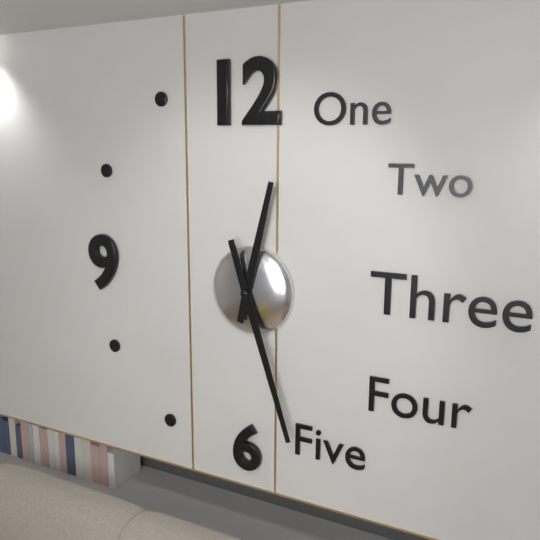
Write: 12:27
